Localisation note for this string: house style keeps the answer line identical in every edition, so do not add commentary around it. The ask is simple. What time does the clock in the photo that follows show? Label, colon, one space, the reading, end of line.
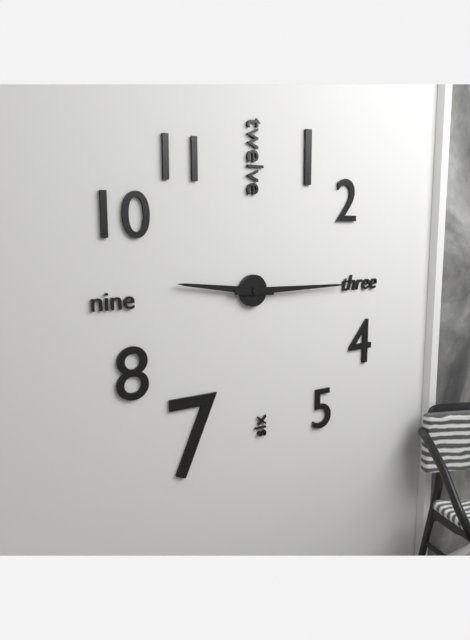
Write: 9:15
